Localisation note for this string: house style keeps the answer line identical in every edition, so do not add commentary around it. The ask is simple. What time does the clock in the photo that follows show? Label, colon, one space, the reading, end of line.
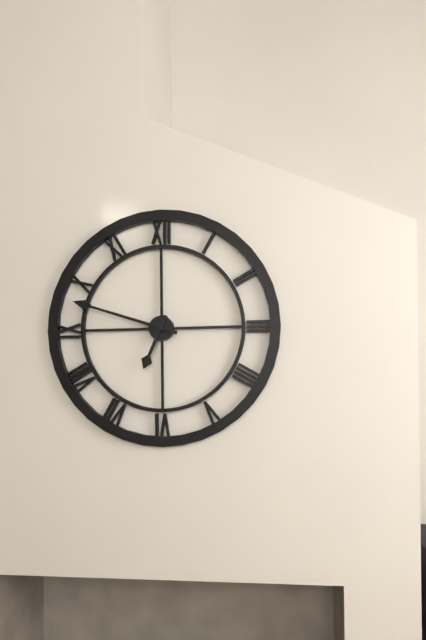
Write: 6:48
